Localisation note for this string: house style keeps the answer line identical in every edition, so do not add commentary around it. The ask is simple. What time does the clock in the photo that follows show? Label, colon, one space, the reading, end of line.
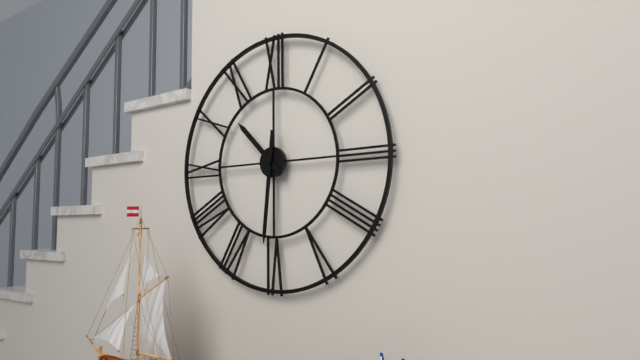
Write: 10:31
